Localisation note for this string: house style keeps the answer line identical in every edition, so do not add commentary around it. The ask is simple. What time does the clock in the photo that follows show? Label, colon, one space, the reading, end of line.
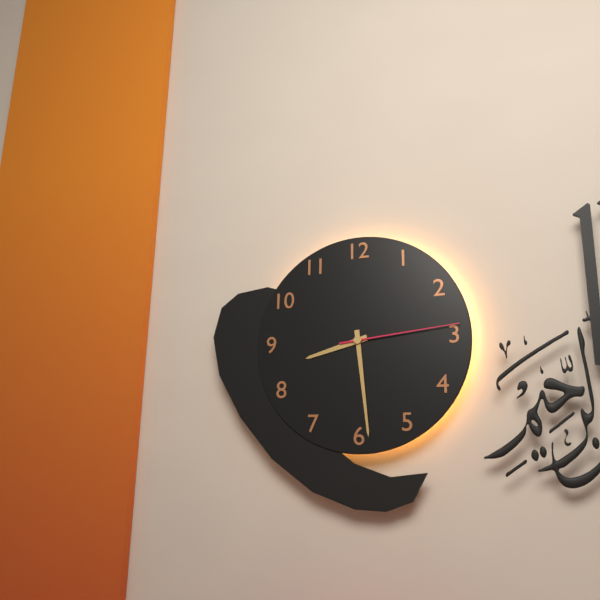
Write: 8:29:14
